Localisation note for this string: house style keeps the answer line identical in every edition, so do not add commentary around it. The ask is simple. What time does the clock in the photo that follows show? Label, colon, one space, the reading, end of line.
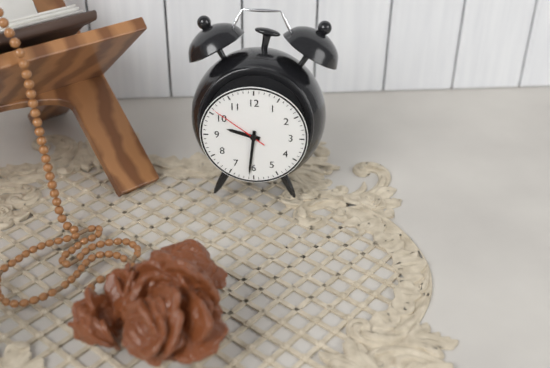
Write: 9:31:51
